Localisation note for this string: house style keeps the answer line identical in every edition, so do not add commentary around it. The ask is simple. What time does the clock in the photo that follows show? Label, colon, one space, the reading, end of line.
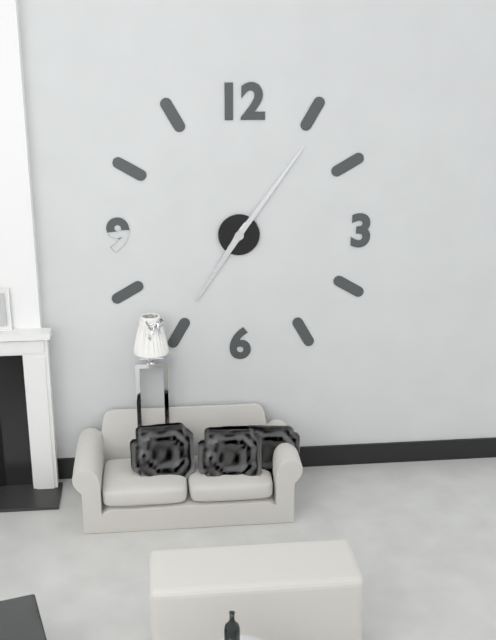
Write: 7:06
